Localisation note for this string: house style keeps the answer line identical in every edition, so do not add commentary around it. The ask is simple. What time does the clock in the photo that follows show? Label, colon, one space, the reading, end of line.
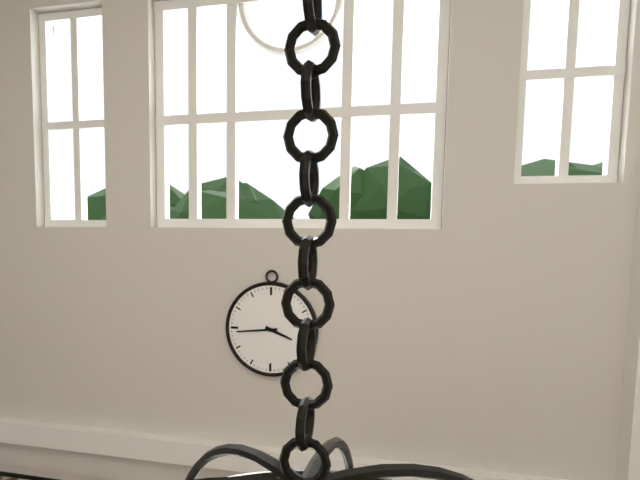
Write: 3:44
